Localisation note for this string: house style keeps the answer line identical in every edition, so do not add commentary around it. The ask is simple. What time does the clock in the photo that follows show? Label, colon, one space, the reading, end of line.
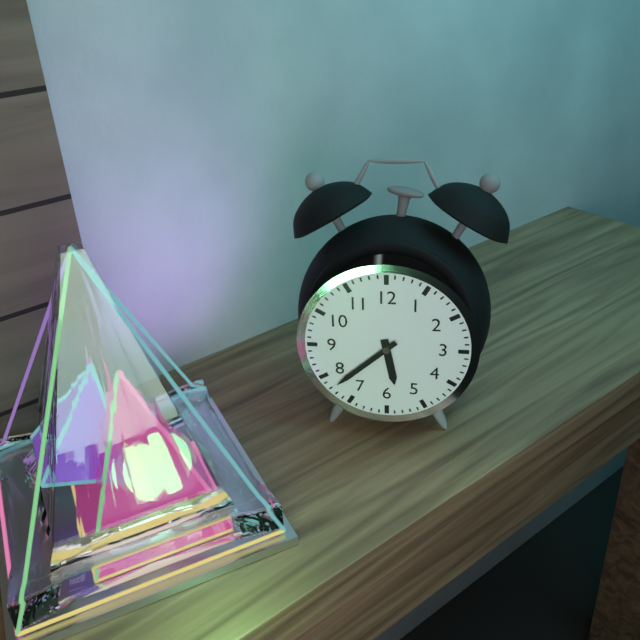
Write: 5:38
